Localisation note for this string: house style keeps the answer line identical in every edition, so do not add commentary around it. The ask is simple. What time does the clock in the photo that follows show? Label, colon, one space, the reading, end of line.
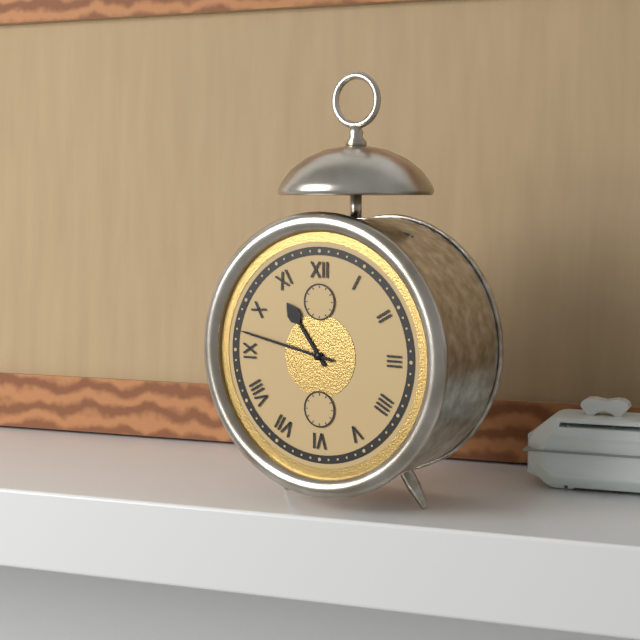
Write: 10:47
